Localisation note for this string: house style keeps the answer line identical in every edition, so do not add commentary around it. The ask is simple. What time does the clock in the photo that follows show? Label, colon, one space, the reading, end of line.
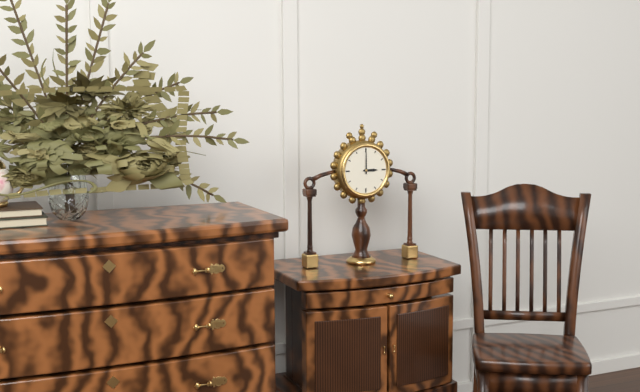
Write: 3:00
